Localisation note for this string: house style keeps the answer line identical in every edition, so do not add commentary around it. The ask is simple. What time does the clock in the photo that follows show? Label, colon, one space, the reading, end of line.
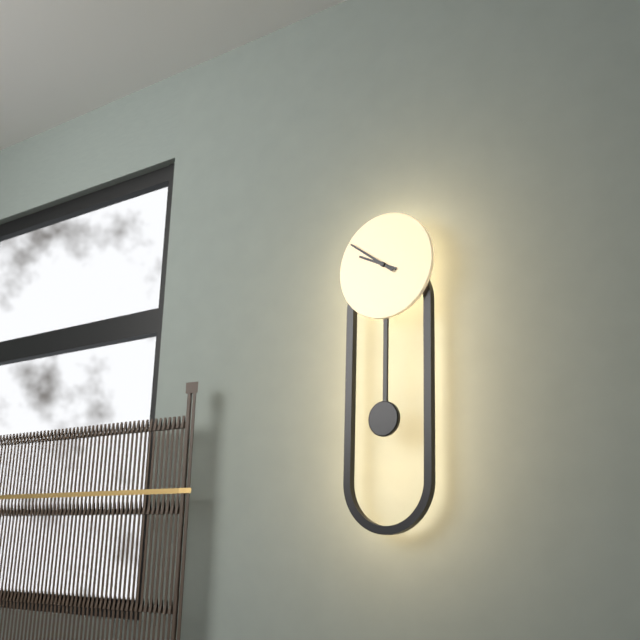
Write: 9:51
